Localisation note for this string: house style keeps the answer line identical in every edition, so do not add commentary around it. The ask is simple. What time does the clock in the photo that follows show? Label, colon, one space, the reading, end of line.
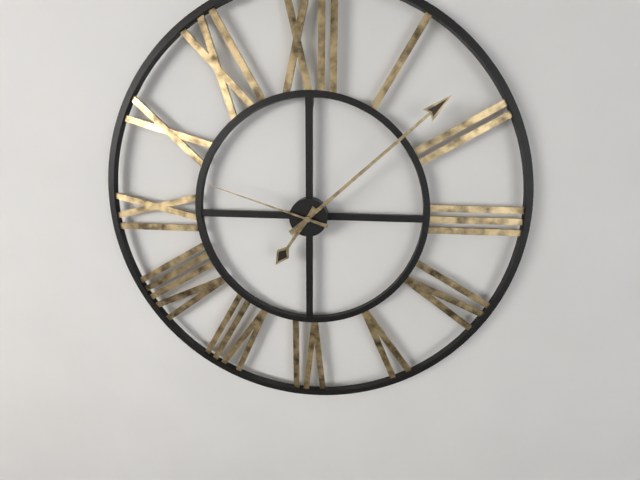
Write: 7:08:48
